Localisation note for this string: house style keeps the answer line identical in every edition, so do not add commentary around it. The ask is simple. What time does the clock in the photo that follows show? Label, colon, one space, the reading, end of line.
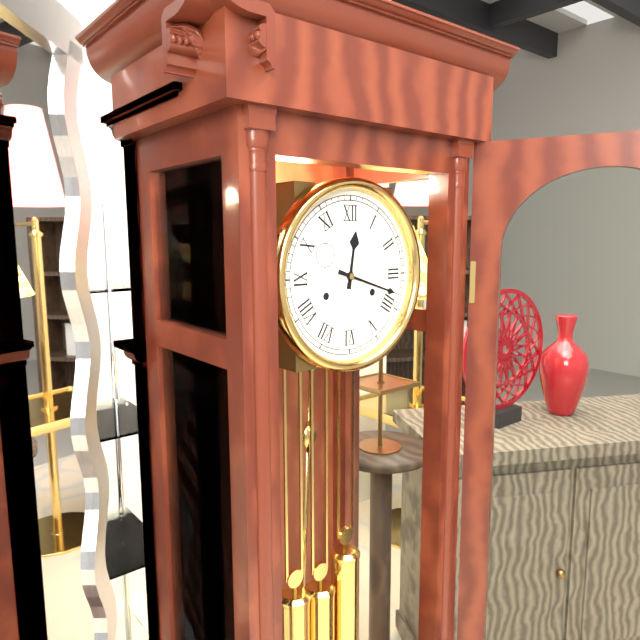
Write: 12:18
